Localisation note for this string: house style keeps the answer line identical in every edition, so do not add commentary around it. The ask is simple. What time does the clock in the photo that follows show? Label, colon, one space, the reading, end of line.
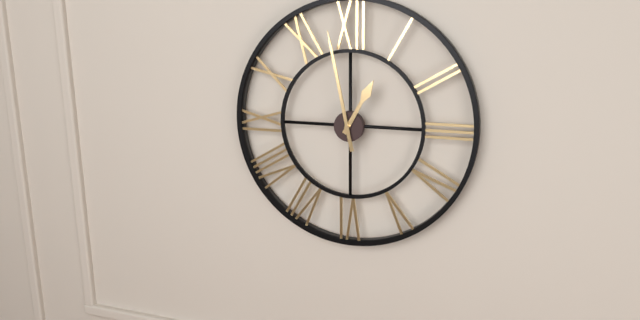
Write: 12:58
